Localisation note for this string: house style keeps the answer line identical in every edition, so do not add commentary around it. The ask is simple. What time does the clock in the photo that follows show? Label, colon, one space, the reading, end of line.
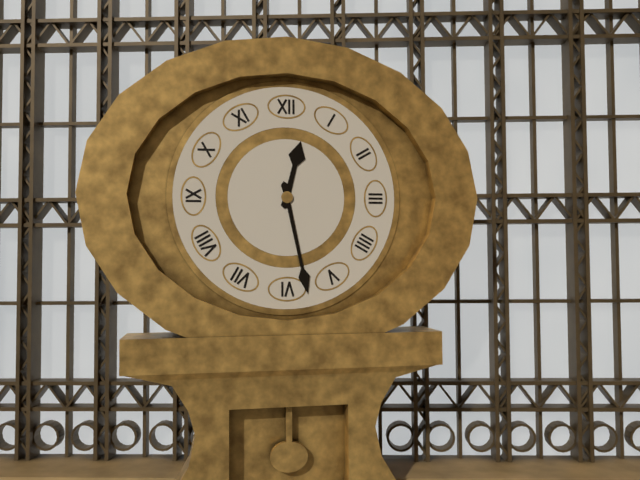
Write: 12:28
